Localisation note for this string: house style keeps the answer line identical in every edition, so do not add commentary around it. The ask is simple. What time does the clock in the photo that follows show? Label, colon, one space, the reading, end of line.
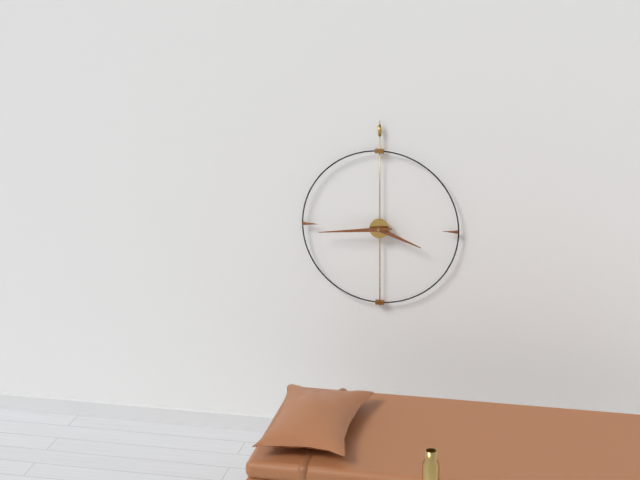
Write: 3:44
